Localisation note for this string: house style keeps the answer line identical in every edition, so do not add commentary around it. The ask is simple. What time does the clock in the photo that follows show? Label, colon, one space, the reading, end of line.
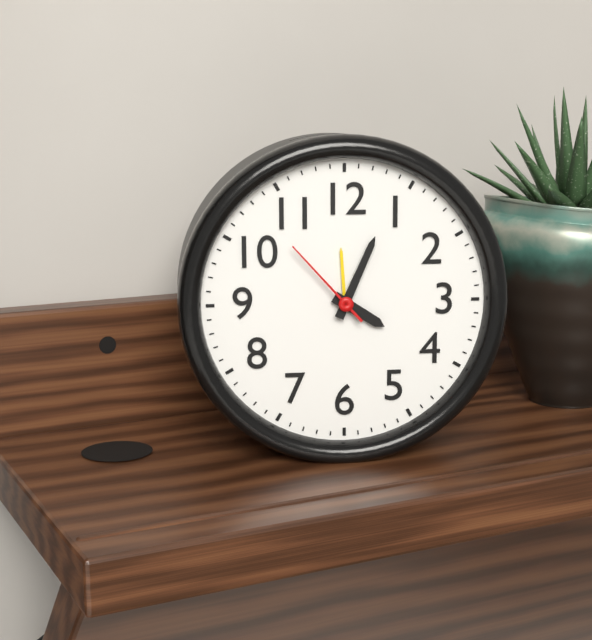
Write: 4:04:53
